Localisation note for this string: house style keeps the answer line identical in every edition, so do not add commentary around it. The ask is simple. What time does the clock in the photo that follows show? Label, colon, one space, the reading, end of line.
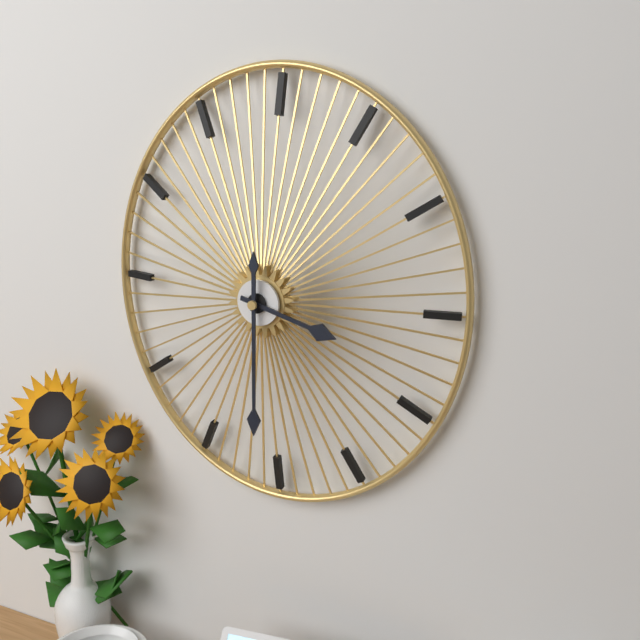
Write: 3:30
